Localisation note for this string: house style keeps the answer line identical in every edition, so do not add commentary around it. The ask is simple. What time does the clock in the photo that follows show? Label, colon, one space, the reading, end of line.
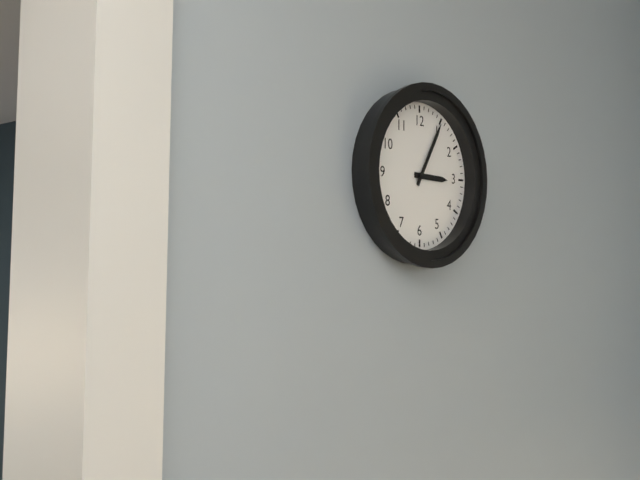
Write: 3:05
